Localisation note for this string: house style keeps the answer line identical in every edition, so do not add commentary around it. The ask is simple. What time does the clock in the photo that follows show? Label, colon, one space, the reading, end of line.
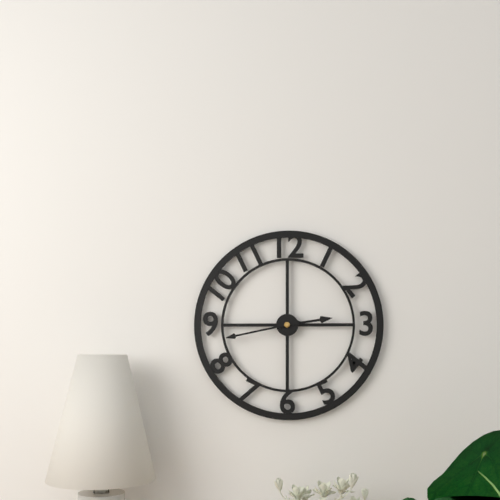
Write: 2:43
